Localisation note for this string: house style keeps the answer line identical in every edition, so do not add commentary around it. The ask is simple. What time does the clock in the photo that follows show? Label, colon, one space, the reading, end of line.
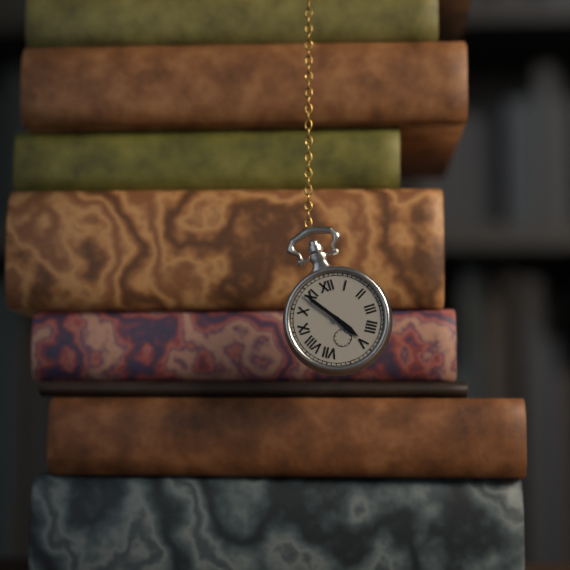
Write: 4:54
